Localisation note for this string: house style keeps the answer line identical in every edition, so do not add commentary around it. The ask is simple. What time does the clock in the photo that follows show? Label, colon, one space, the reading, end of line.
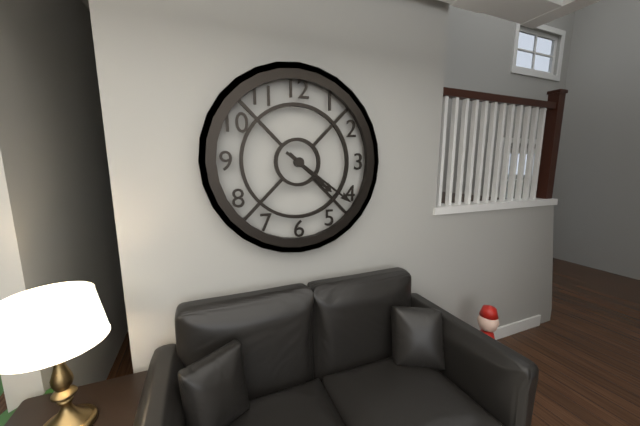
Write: 4:21
